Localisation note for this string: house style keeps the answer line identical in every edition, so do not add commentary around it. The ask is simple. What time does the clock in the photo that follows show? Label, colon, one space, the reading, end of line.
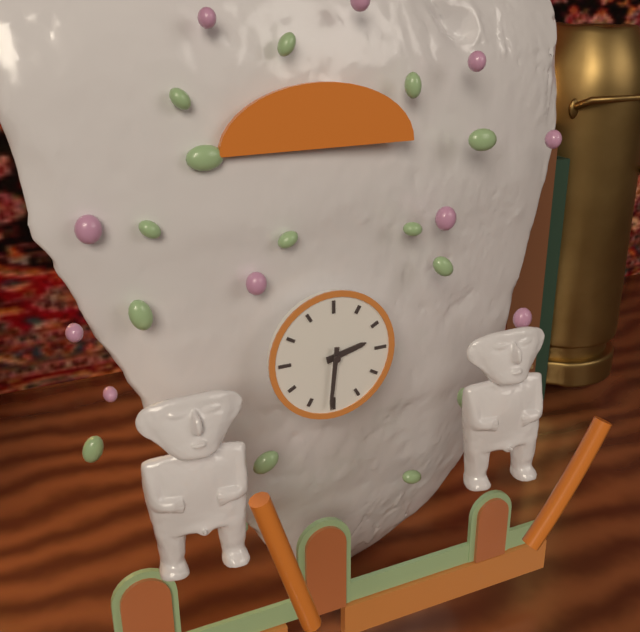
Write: 2:31
